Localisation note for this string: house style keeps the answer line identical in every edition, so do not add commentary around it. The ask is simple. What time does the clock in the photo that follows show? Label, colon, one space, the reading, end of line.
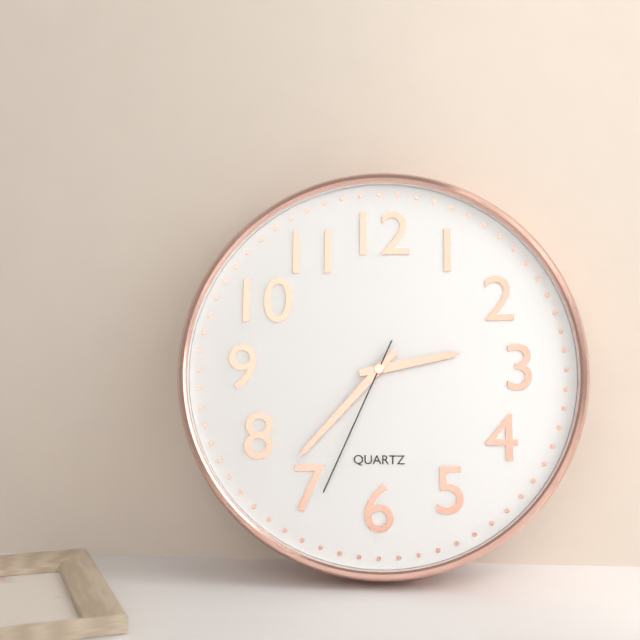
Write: 2:37:34
